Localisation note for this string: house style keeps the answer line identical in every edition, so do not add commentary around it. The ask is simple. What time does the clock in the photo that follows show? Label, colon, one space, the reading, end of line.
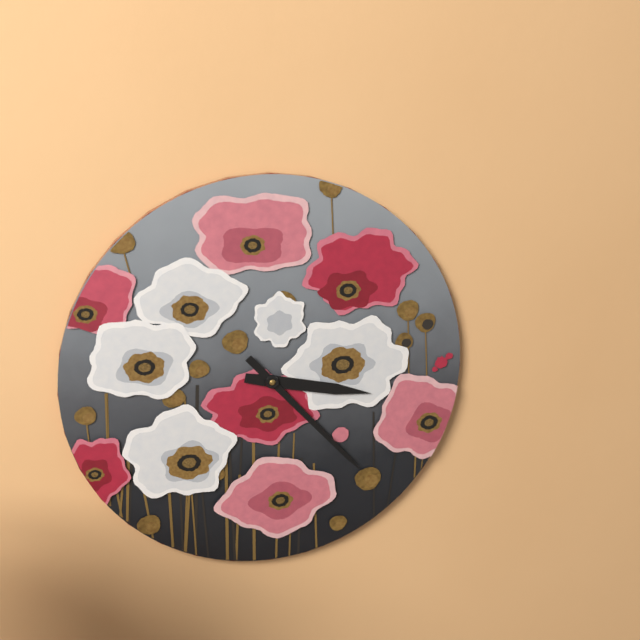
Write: 3:23
